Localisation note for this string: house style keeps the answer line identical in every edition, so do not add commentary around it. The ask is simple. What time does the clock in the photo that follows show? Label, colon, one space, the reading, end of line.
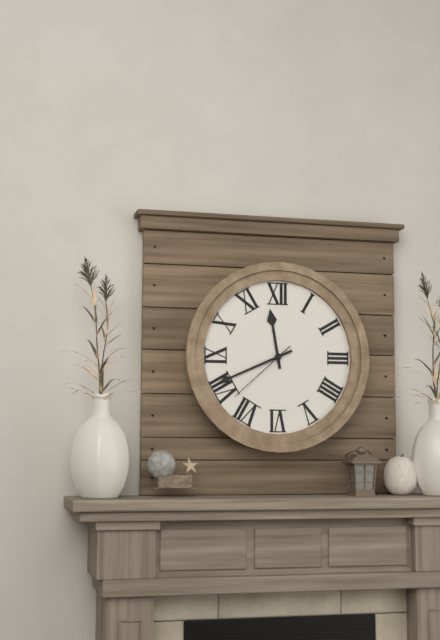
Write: 11:41:38
